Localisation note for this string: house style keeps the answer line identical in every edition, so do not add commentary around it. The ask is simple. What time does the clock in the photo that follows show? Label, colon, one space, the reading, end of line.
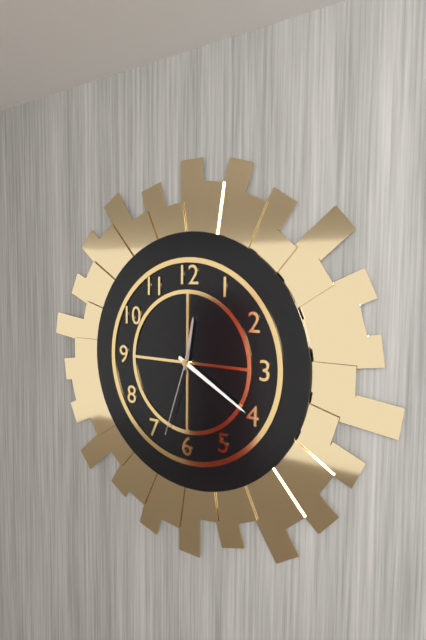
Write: 12:20:33
